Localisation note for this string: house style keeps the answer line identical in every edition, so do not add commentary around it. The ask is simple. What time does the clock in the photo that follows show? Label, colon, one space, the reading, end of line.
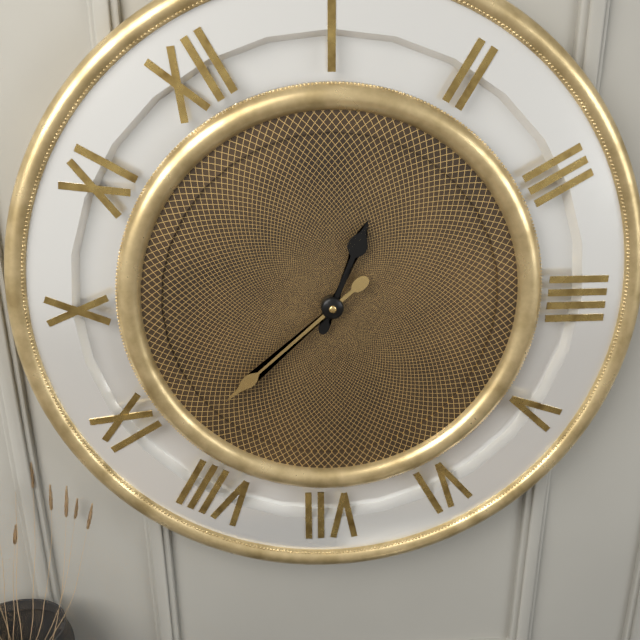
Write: 1:43
